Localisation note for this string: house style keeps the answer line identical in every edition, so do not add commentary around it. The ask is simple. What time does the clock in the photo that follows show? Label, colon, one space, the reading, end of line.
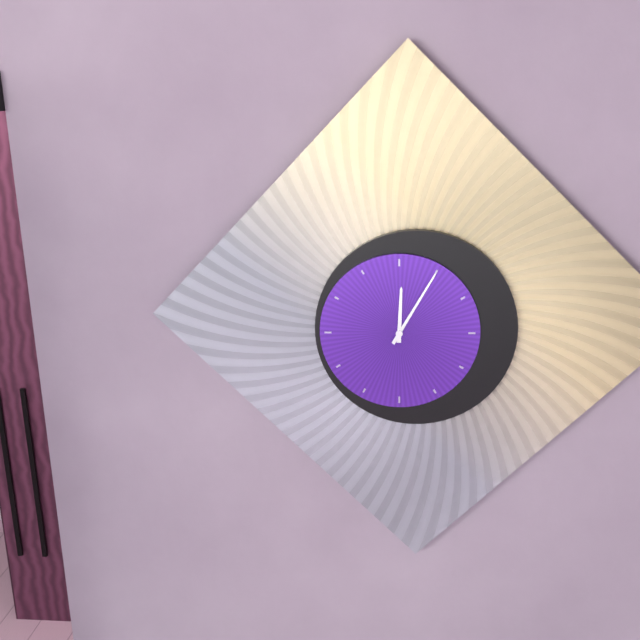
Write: 12:05
